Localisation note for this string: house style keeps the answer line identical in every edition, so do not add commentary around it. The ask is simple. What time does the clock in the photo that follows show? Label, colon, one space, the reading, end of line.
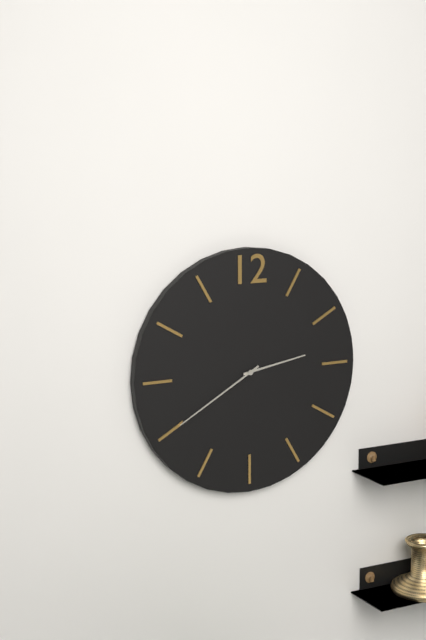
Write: 2:40
